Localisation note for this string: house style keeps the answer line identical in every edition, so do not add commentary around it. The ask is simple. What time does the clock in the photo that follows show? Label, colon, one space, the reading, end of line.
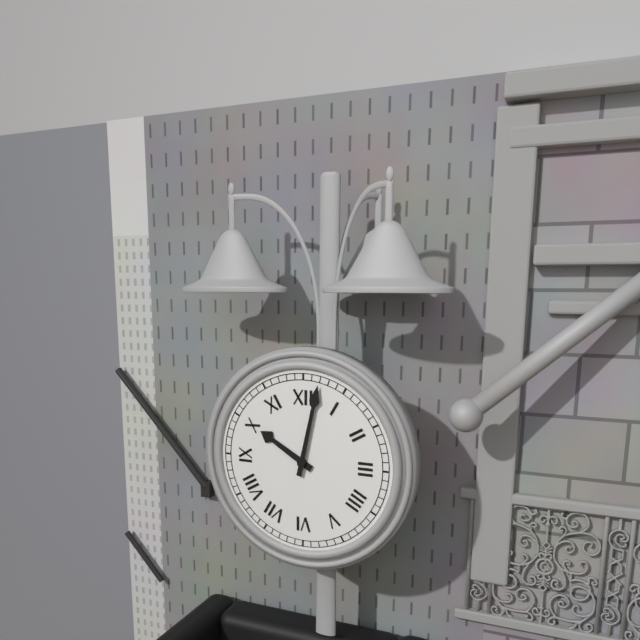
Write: 10:02
